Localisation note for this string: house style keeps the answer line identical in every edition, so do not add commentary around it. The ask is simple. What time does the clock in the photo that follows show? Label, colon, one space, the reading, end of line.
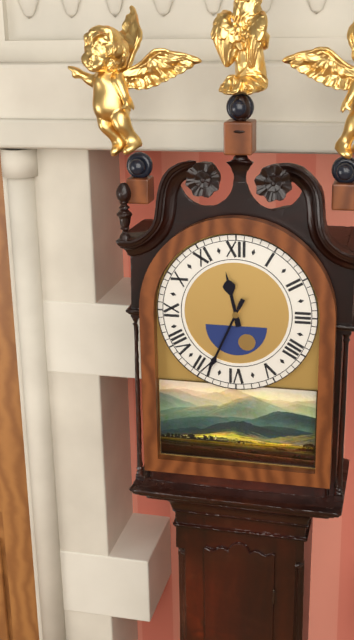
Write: 11:34
